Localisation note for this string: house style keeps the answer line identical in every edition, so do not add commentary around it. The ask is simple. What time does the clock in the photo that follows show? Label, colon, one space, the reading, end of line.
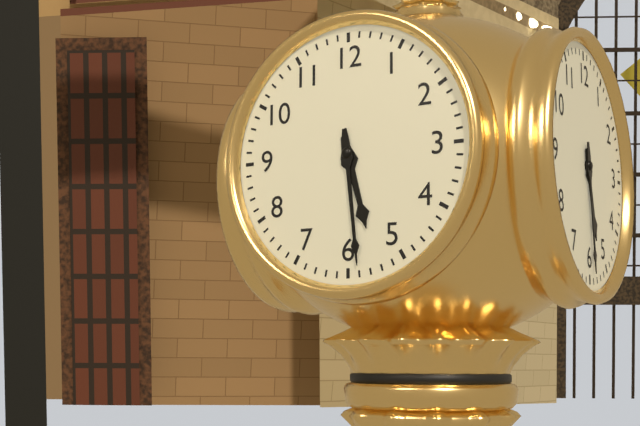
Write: 5:29
